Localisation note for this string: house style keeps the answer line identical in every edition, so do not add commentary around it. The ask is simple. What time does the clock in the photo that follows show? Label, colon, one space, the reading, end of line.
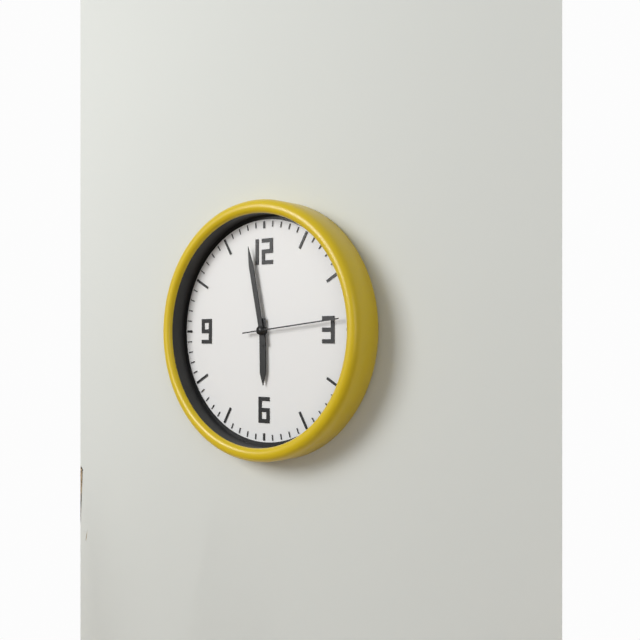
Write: 5:58:14
